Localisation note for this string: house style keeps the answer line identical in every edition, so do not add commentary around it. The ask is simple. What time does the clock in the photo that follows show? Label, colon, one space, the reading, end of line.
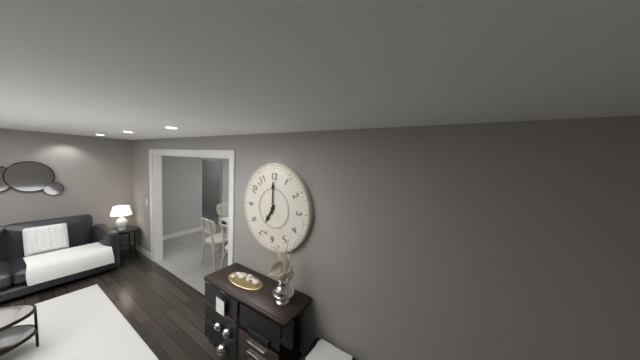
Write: 7:00
